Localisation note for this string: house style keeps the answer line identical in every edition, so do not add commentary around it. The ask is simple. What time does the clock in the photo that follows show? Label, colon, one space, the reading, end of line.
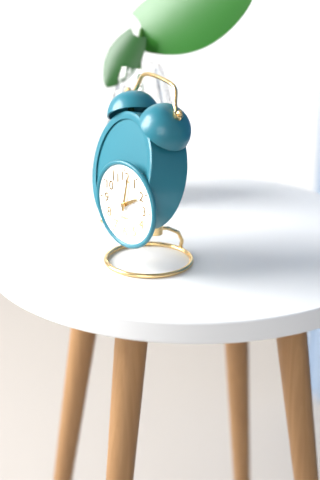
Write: 2:02
